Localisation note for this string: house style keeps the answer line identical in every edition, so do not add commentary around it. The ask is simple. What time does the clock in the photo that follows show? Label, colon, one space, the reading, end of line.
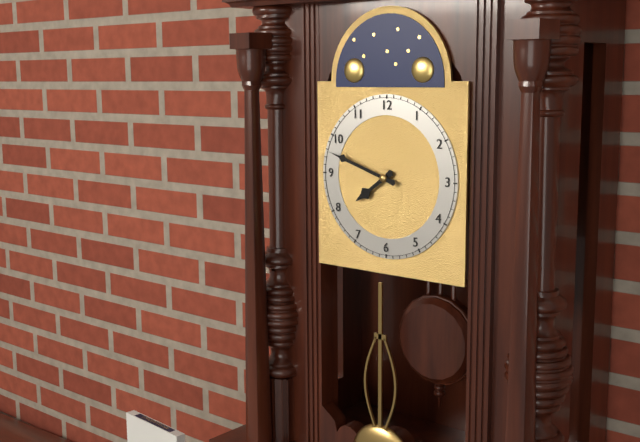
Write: 7:48
